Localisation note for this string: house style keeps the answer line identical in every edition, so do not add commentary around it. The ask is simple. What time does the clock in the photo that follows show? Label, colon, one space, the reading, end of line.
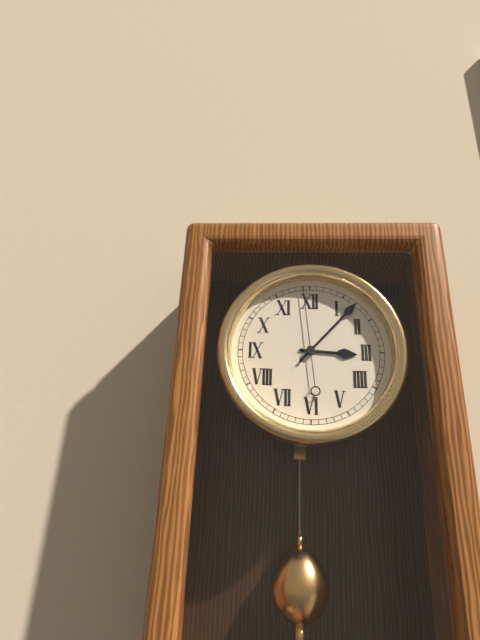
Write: 3:07:59
